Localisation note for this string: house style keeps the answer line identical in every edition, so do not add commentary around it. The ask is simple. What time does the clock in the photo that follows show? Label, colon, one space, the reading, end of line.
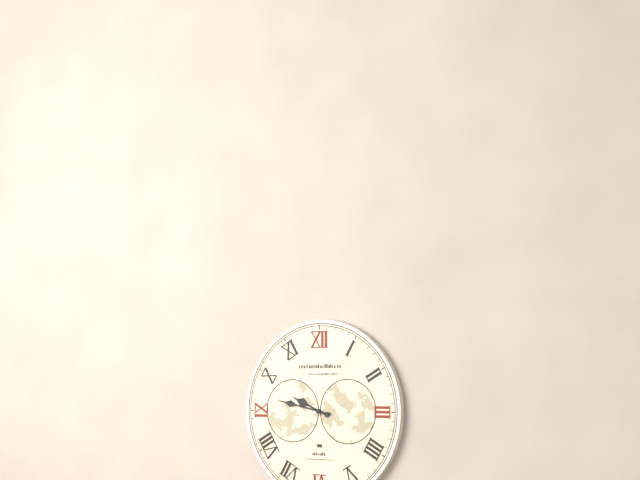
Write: 9:47
